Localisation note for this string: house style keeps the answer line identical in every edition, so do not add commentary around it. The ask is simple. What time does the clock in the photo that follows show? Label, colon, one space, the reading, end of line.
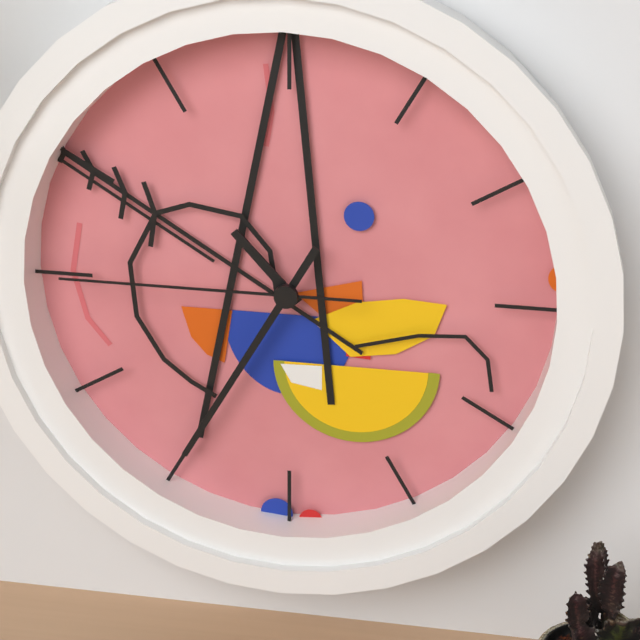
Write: 10:35:45
